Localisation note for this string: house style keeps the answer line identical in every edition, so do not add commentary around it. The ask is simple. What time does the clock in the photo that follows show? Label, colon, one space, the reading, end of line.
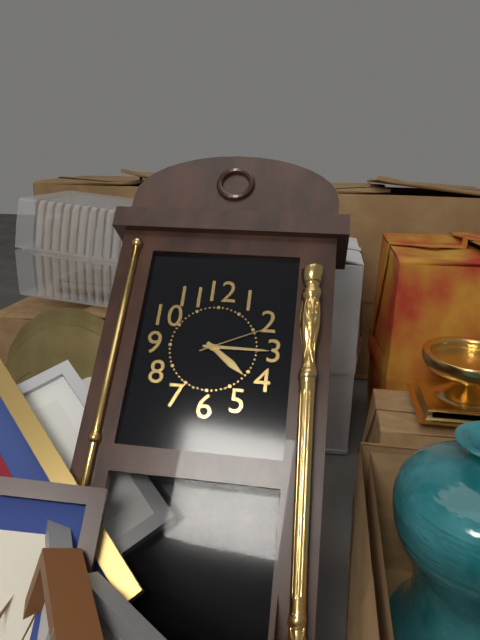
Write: 4:15:11
